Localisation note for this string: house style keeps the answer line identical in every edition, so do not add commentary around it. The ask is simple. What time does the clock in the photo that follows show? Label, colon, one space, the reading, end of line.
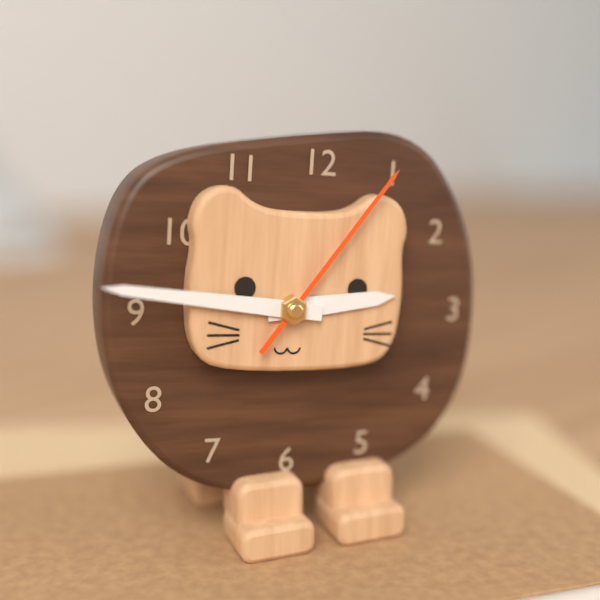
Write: 2:46:06
